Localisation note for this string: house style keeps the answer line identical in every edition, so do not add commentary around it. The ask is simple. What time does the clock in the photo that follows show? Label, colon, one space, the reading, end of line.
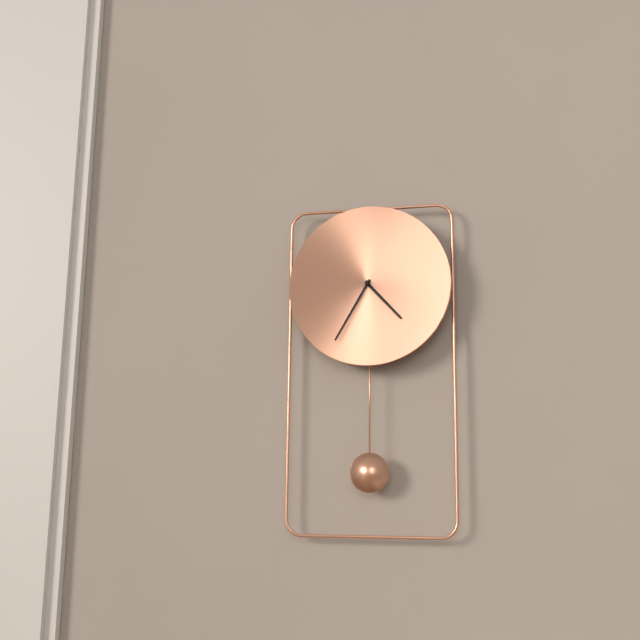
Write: 4:35
